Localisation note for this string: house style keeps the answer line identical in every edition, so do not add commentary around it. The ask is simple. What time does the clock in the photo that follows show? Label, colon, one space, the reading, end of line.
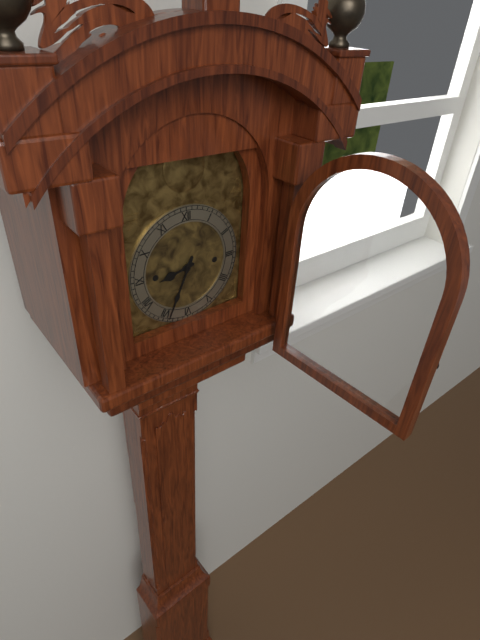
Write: 8:34
